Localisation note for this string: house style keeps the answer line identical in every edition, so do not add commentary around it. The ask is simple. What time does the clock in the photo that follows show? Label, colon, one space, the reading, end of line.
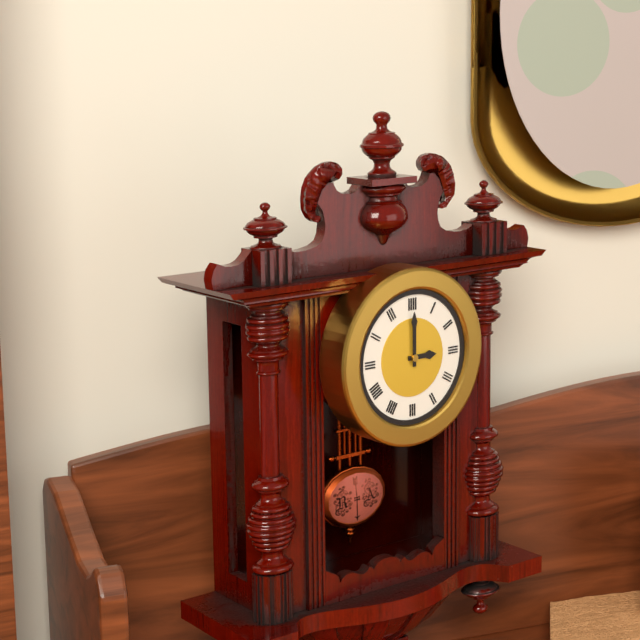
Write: 3:00
